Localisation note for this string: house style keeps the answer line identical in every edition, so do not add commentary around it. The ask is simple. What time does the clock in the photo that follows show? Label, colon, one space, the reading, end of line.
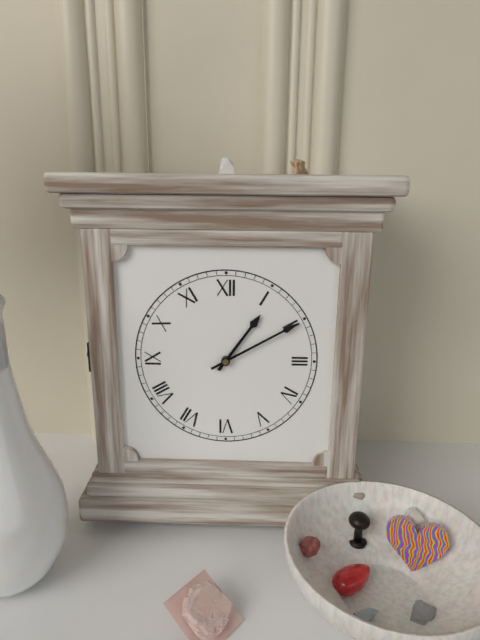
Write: 1:10
